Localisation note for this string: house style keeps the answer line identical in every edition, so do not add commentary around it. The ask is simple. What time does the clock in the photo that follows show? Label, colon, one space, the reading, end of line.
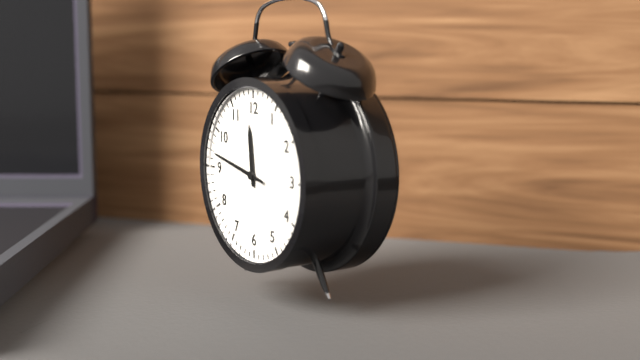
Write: 11:47
